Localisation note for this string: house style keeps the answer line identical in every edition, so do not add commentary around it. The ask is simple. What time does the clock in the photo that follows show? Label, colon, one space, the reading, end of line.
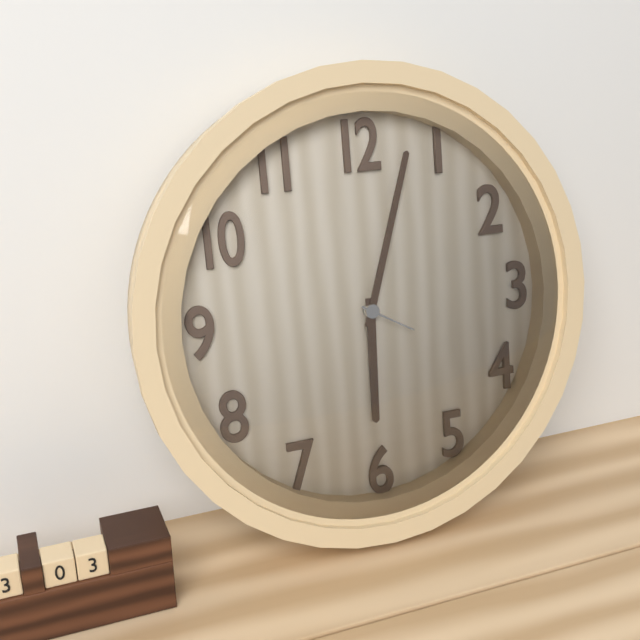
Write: 6:03:20
